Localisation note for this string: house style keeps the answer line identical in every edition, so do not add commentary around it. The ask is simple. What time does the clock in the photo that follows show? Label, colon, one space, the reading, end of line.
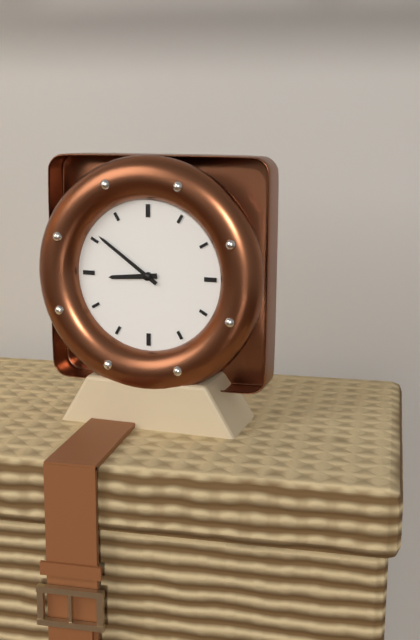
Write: 8:51
